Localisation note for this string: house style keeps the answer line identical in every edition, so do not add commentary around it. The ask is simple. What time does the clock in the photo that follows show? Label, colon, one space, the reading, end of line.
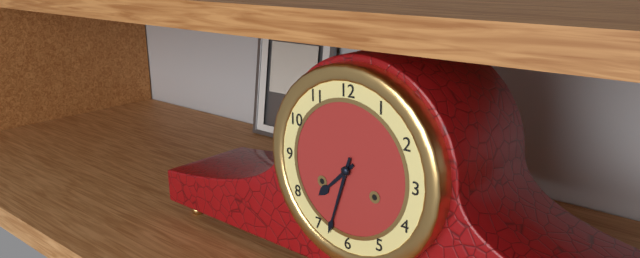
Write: 7:33
